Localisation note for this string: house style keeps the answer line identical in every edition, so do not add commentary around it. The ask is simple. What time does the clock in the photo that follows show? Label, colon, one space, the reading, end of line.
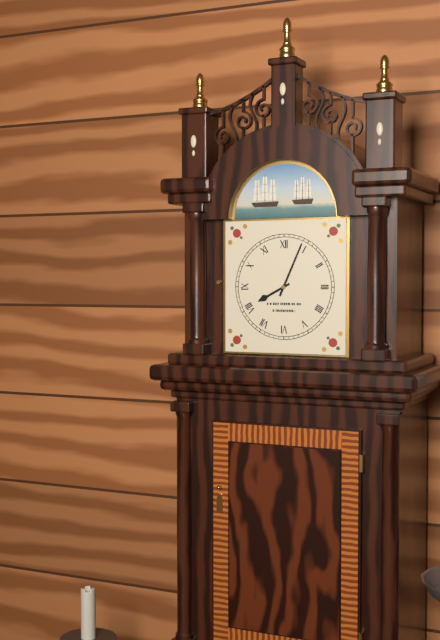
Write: 8:04
